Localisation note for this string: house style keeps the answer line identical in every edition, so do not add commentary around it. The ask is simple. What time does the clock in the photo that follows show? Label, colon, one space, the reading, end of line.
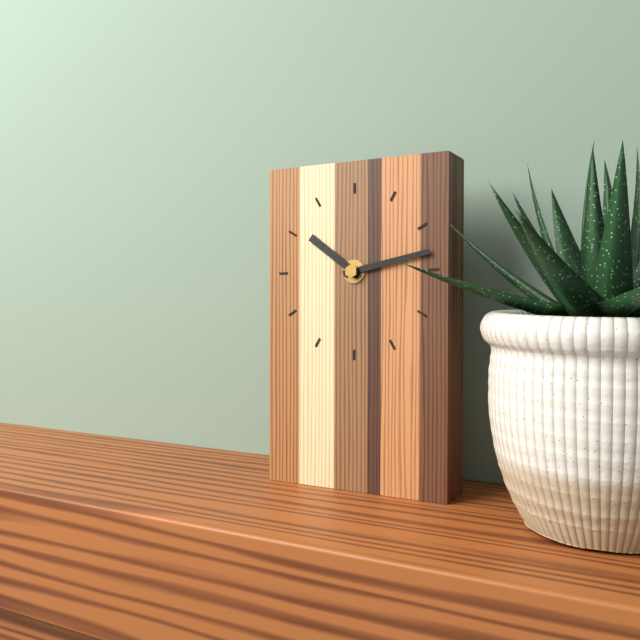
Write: 10:13
